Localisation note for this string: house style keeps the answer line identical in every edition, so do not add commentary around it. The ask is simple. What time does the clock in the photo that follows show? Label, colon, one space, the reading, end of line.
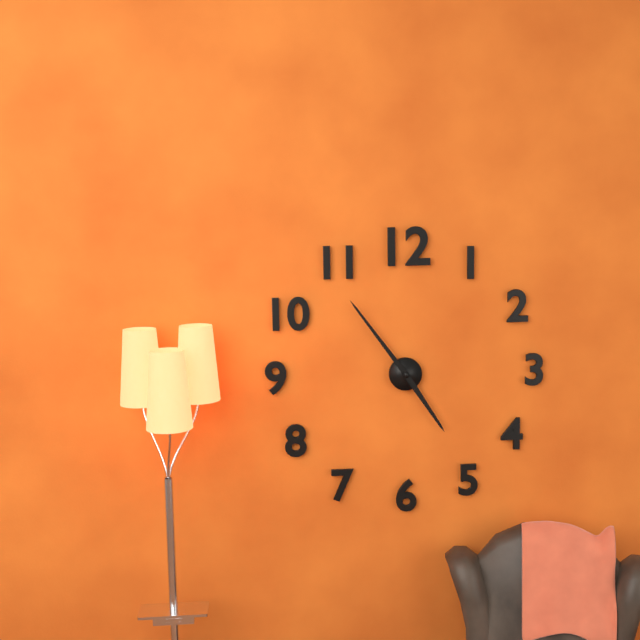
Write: 4:54
